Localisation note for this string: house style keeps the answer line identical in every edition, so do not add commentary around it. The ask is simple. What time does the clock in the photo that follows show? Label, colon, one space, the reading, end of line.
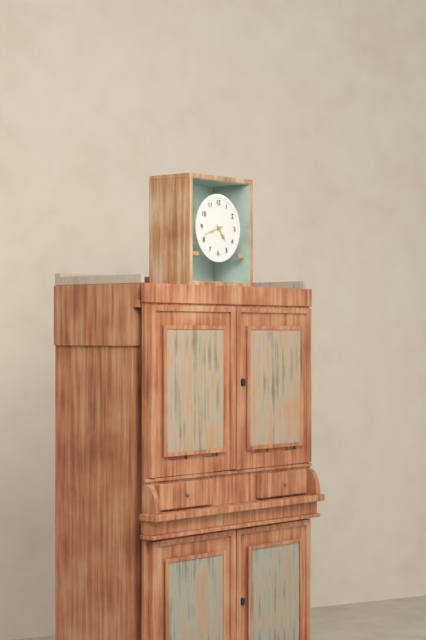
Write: 4:42
